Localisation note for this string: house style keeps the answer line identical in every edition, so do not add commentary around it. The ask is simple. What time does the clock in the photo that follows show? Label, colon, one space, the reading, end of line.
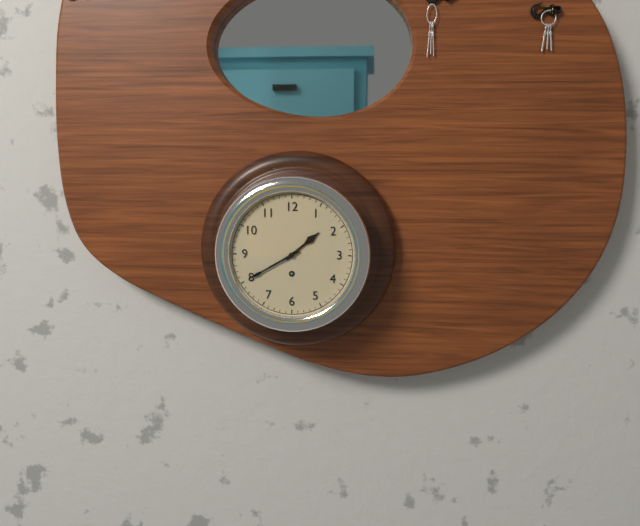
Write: 1:40
